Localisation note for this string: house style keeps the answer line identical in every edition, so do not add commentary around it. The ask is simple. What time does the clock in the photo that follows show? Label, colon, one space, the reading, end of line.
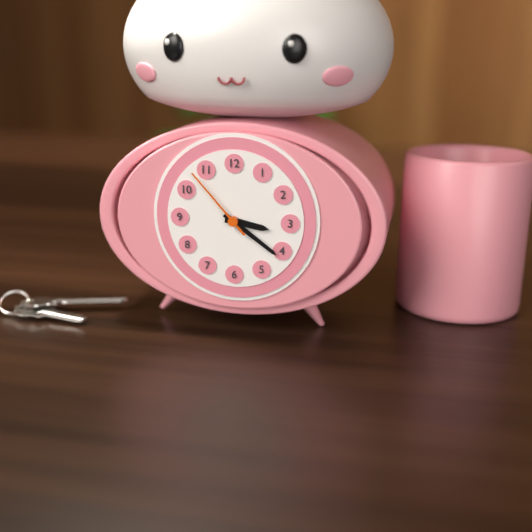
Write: 3:21:53
